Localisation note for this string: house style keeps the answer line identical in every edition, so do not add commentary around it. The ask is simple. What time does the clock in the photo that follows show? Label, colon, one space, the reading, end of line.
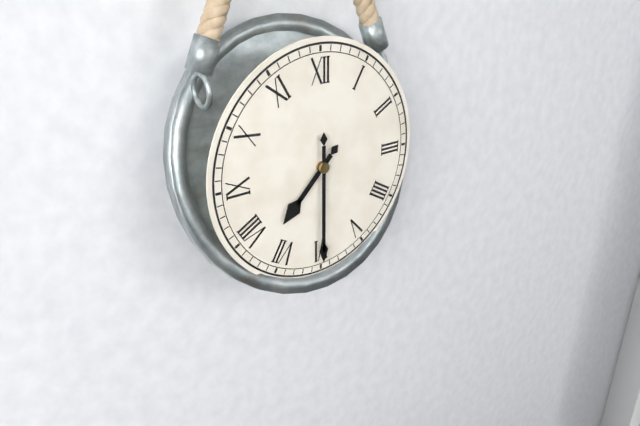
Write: 7:30
